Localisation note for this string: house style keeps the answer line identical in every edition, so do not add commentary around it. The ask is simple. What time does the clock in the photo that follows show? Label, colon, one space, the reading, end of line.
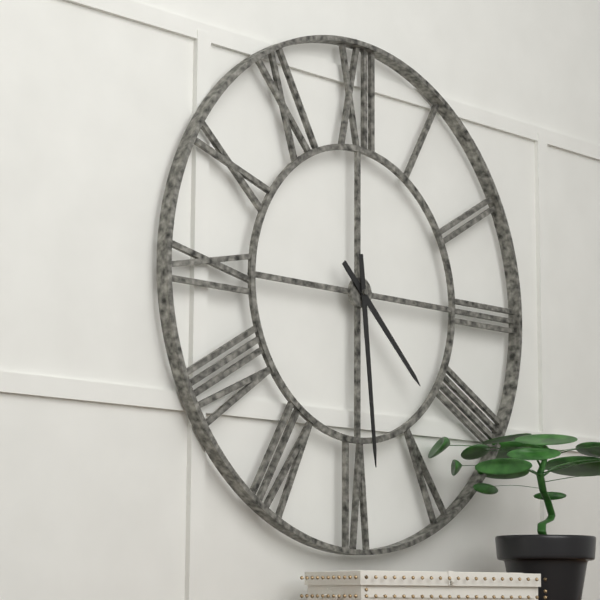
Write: 4:29
